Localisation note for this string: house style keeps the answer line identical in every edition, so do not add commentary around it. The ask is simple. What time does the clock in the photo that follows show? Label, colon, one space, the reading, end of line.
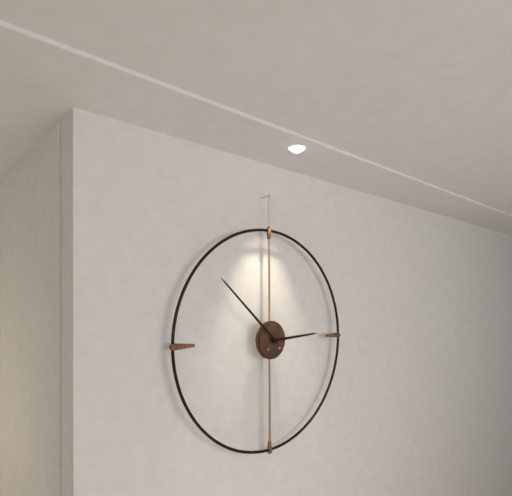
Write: 2:52
